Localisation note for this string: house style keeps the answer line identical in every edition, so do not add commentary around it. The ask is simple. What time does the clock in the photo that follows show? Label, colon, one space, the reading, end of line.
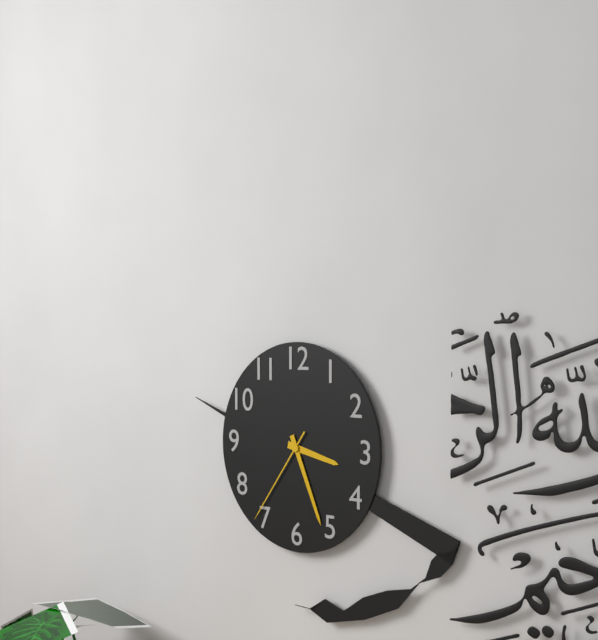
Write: 3:26:36
